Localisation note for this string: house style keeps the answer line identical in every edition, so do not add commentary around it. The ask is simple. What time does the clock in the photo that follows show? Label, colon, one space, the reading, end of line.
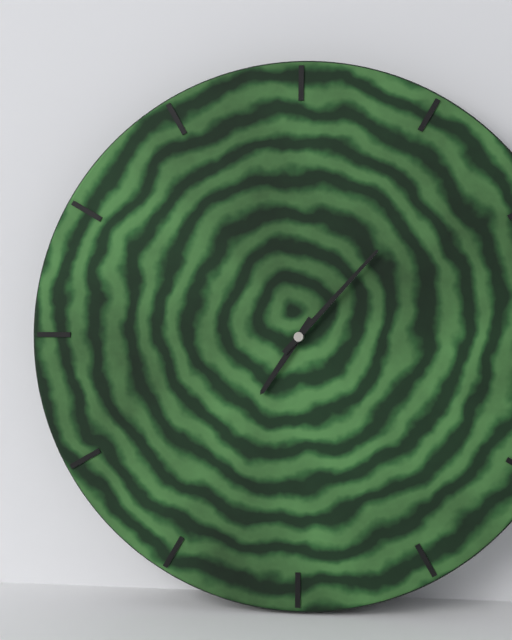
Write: 7:07
